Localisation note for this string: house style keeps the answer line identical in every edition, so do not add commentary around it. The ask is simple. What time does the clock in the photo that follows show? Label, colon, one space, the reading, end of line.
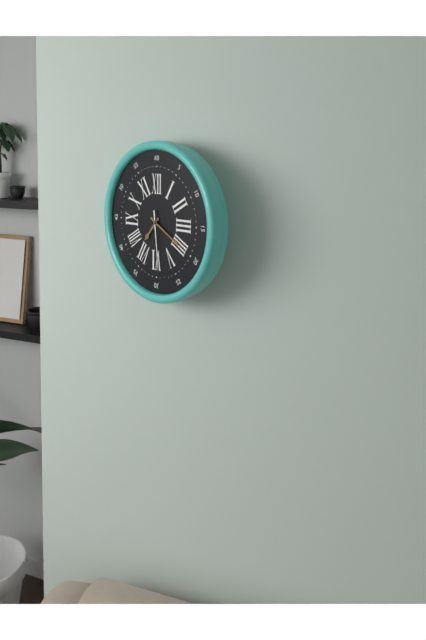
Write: 7:20:29
